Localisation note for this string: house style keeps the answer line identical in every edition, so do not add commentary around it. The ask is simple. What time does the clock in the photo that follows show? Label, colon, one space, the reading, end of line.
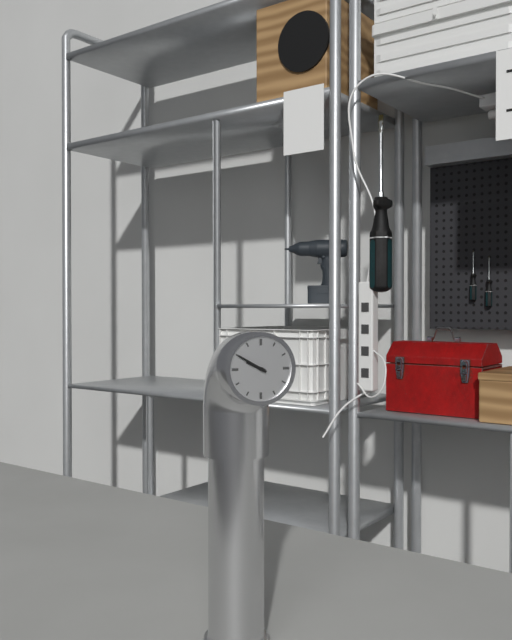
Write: 9:50
